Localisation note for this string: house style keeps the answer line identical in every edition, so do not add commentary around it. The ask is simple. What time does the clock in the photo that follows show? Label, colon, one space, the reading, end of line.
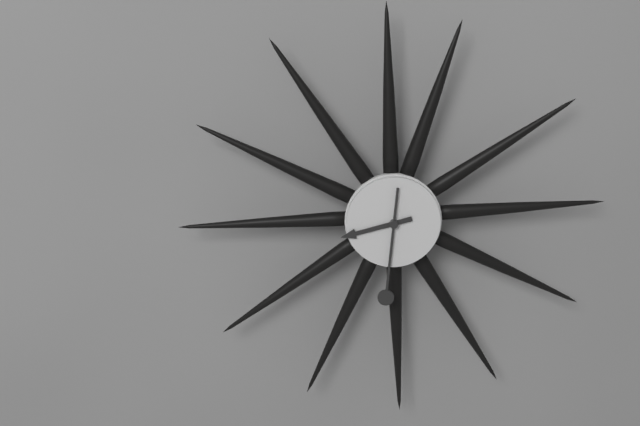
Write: 8:31
